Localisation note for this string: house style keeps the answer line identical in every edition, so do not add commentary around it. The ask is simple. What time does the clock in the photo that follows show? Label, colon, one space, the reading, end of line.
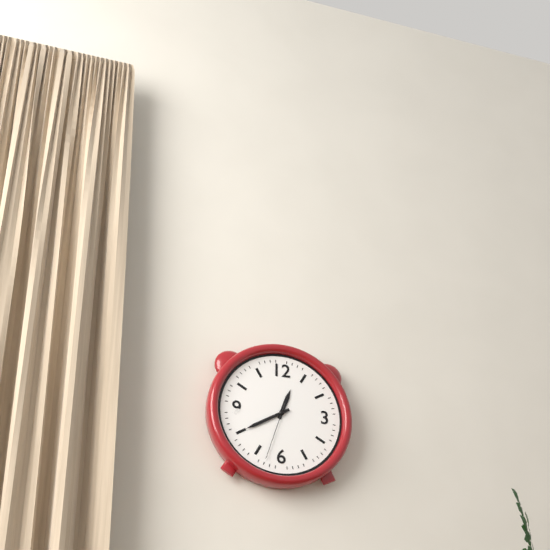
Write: 12:40:33
